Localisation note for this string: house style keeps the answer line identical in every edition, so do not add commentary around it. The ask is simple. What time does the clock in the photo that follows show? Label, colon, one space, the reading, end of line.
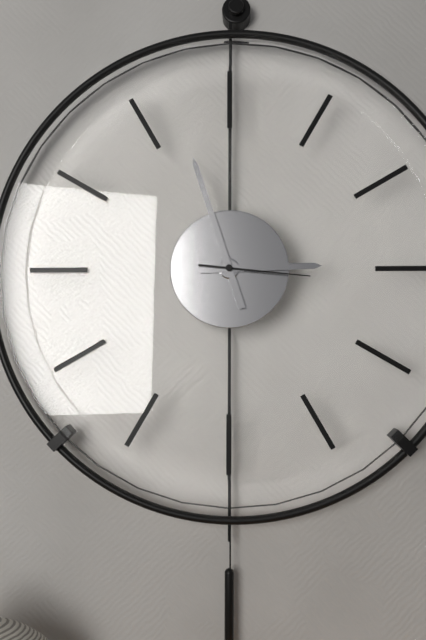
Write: 2:57:16
